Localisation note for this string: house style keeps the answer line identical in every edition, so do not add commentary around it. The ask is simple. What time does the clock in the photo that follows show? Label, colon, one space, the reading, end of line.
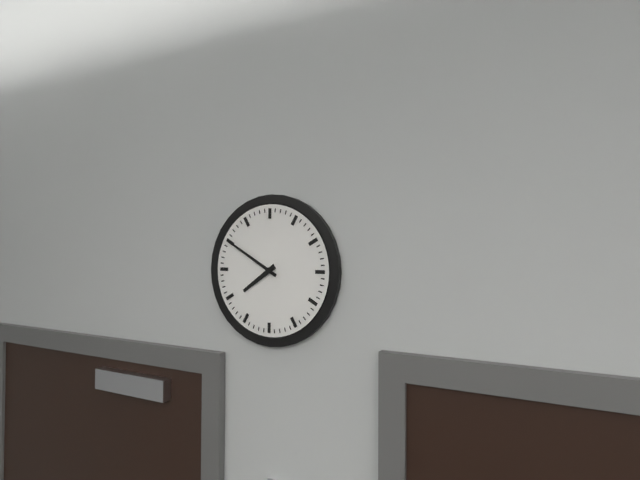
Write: 7:50
